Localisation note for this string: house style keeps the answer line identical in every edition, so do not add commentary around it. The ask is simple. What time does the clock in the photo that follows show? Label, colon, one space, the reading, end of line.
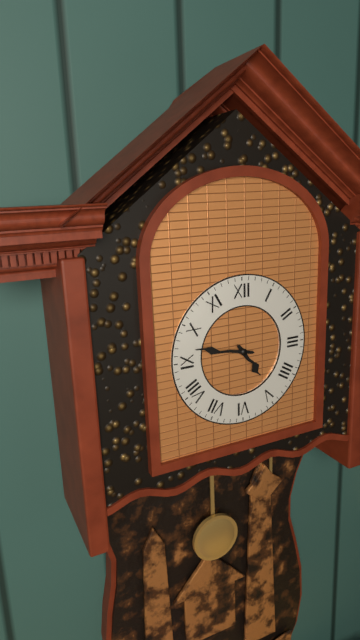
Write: 4:47
